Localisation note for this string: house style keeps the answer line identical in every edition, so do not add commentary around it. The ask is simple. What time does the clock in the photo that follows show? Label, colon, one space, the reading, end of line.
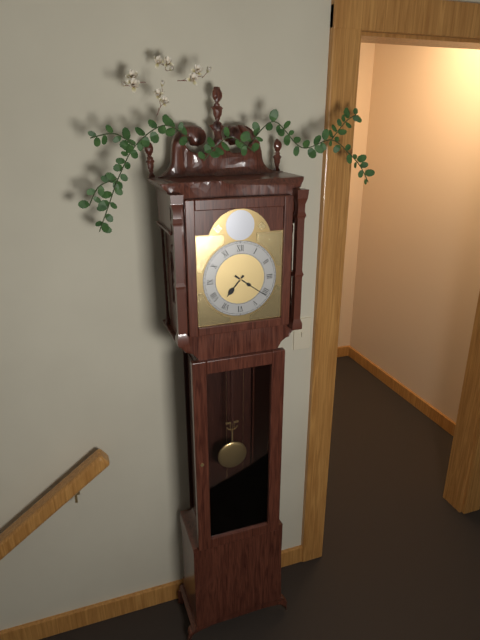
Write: 7:21
